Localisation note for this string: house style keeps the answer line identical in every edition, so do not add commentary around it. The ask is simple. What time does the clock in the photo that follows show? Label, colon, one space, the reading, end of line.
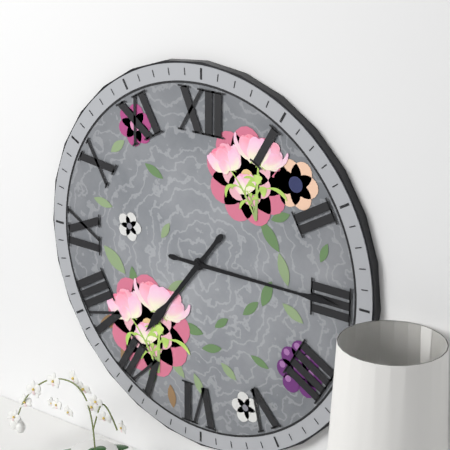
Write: 7:15
